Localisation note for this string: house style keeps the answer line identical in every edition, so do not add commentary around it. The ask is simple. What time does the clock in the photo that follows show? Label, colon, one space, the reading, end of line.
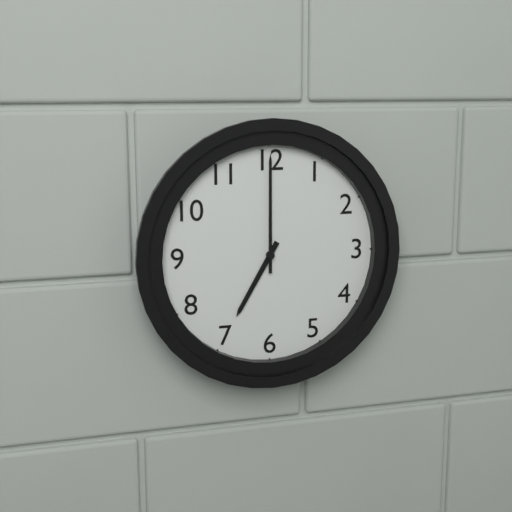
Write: 7:00
